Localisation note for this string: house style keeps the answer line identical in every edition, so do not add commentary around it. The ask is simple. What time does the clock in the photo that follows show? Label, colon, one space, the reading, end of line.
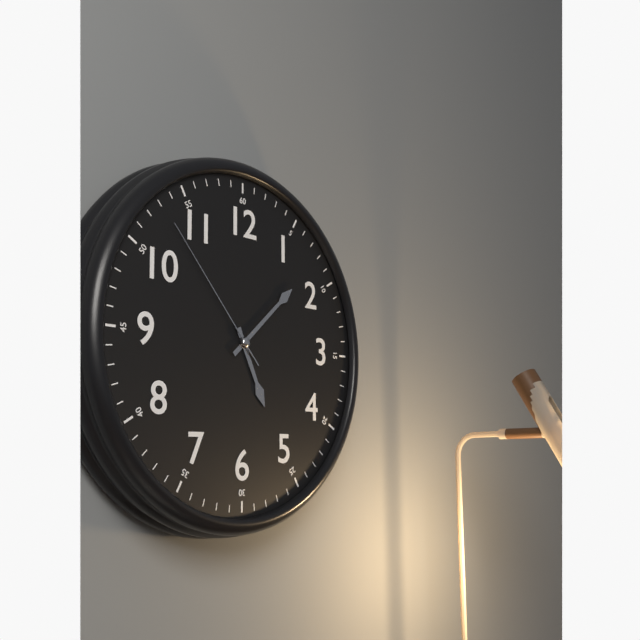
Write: 5:08:53
